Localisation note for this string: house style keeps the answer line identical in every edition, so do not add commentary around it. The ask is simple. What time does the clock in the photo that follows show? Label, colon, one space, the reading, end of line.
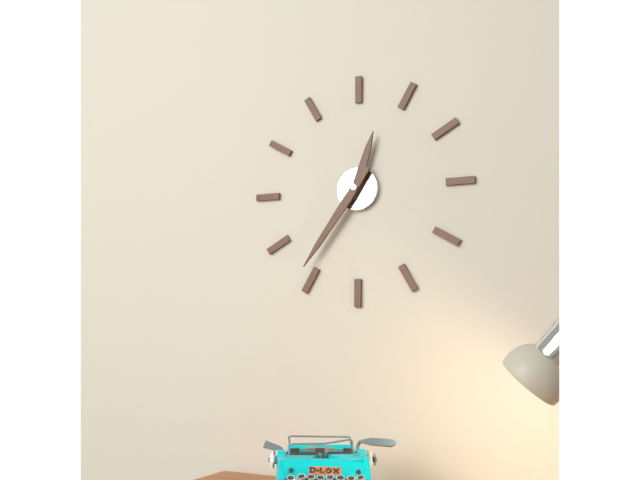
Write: 12:36
